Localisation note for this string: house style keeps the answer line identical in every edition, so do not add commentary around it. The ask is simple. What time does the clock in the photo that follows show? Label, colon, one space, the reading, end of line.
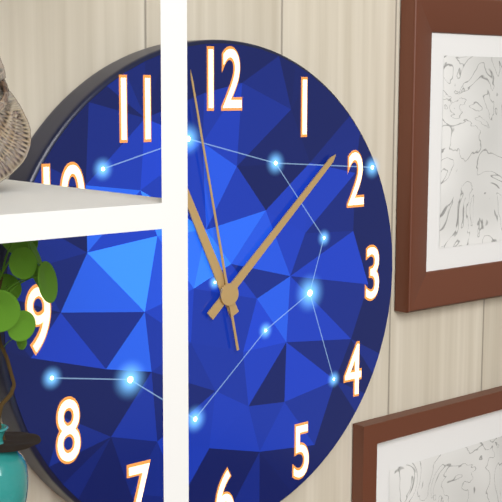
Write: 11:08:58
